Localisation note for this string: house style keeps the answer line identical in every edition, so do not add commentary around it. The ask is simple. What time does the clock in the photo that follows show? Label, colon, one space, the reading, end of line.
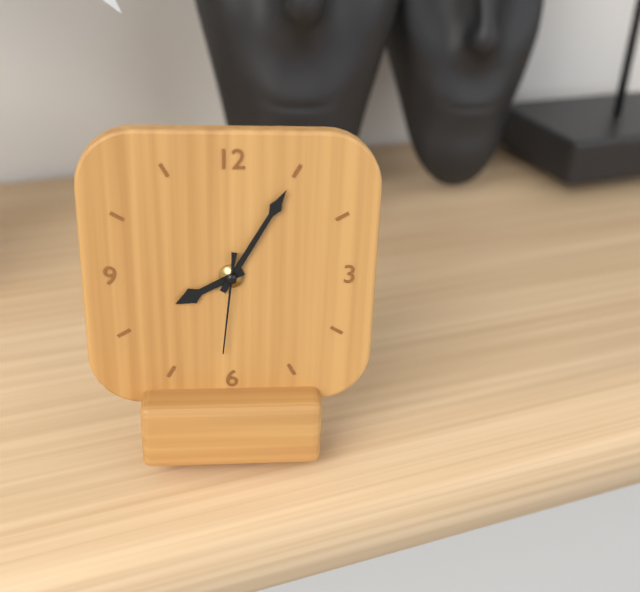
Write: 8:05:31
